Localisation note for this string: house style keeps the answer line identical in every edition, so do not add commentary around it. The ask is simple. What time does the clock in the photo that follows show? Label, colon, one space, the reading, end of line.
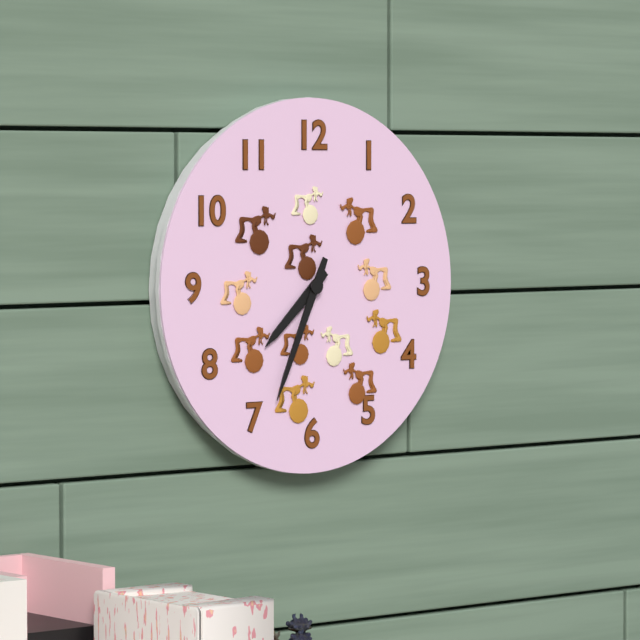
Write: 7:34
